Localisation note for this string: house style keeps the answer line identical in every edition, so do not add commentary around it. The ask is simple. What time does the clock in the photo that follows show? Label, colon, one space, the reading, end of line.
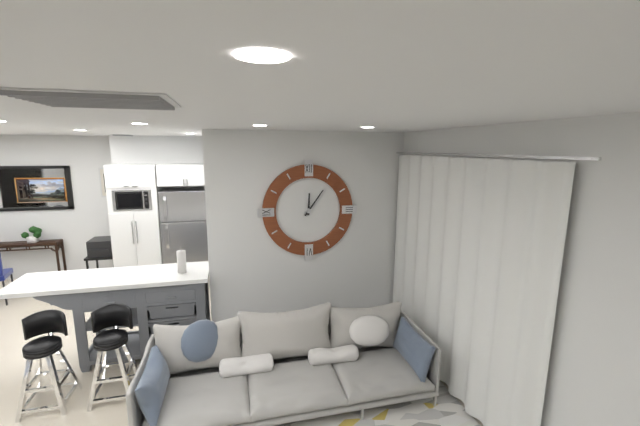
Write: 12:06
